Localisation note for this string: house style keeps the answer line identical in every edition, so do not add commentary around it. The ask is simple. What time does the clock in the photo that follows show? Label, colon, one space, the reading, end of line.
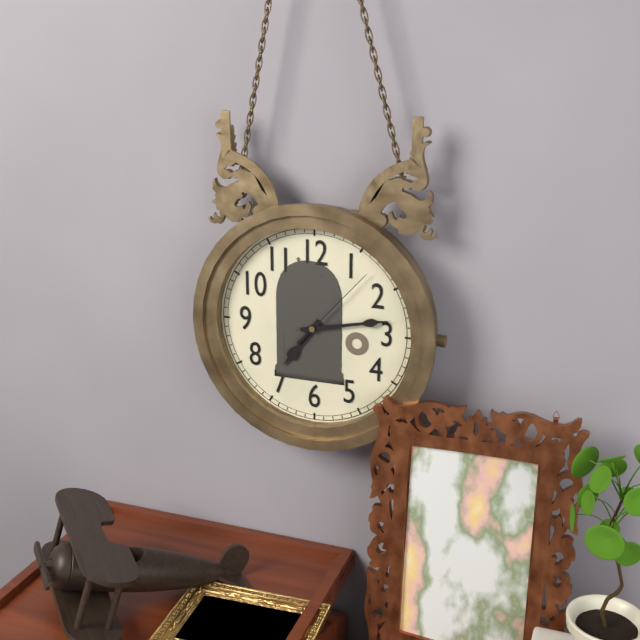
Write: 7:13:07
